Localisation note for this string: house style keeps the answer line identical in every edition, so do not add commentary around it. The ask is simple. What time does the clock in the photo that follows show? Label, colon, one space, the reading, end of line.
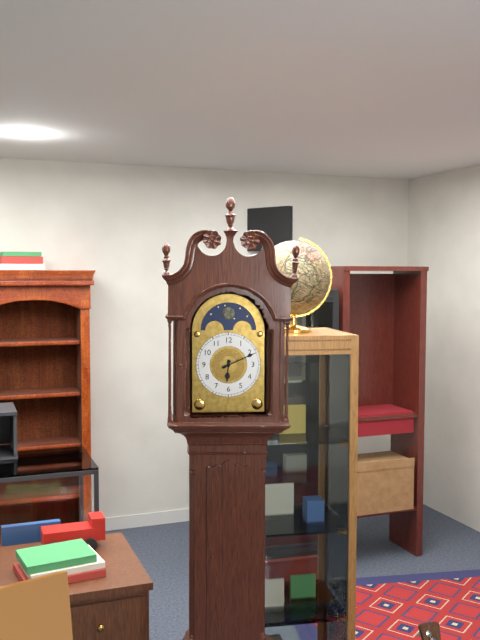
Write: 6:11
